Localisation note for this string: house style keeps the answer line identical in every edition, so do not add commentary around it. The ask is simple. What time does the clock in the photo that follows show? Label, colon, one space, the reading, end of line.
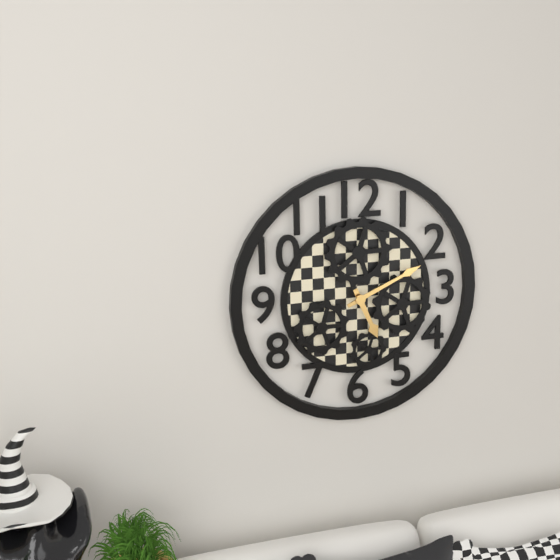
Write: 5:11
